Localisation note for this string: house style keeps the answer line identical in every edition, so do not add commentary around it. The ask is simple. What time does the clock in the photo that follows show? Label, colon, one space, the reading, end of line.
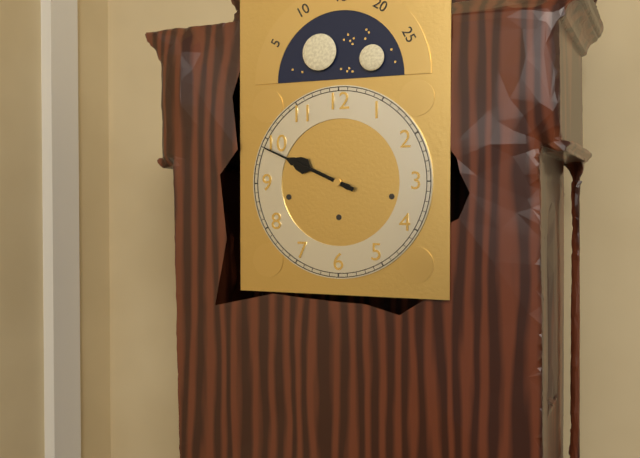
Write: 9:49
